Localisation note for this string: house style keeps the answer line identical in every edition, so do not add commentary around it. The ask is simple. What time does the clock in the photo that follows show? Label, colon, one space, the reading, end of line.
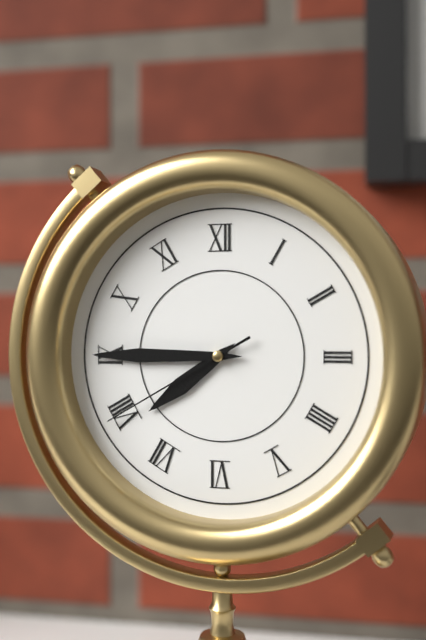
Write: 7:45:40
